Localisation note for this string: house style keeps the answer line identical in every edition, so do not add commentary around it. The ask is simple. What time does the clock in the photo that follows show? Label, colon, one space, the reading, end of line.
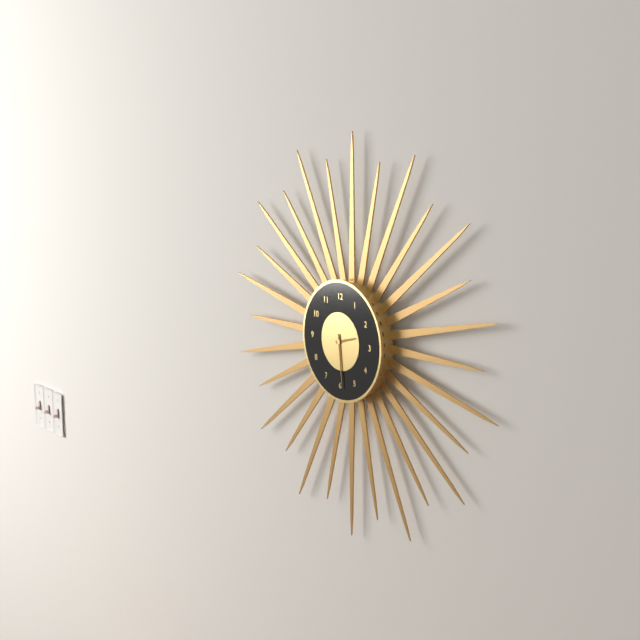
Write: 2:29
